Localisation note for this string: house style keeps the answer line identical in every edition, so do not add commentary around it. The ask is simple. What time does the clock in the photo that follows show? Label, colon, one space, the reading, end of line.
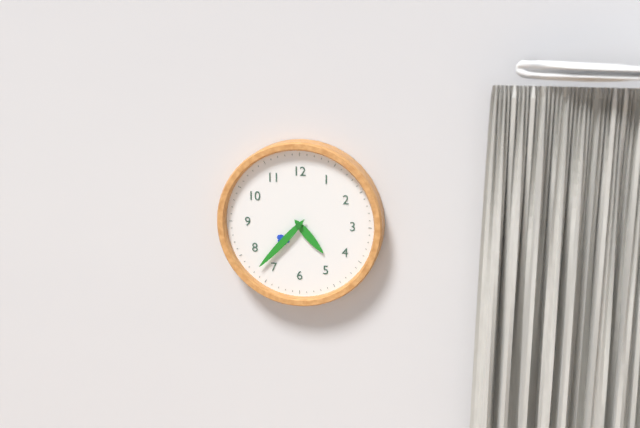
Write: 4:37
